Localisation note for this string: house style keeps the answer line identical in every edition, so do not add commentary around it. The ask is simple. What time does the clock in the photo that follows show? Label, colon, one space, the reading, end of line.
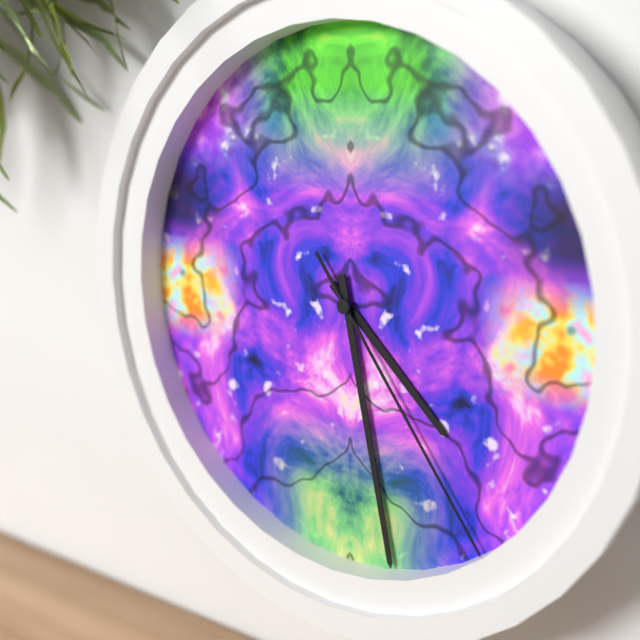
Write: 4:28:24
